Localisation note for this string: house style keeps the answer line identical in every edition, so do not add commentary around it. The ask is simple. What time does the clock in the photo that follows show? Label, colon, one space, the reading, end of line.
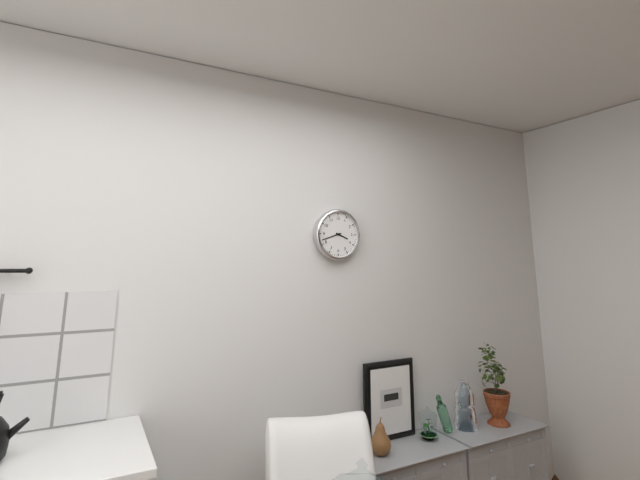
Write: 3:42
